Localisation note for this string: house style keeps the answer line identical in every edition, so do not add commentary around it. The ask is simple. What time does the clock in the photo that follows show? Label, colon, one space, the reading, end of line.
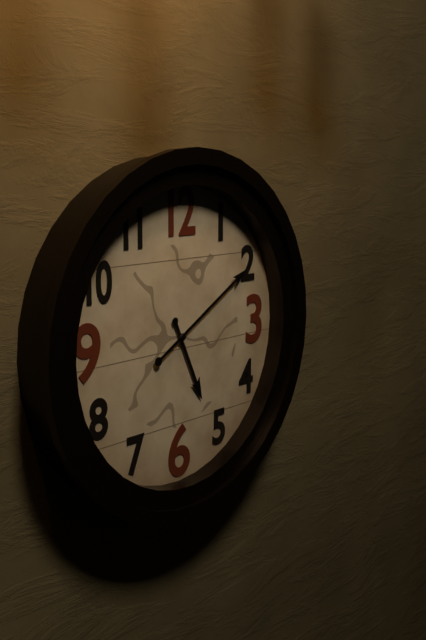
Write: 5:10
